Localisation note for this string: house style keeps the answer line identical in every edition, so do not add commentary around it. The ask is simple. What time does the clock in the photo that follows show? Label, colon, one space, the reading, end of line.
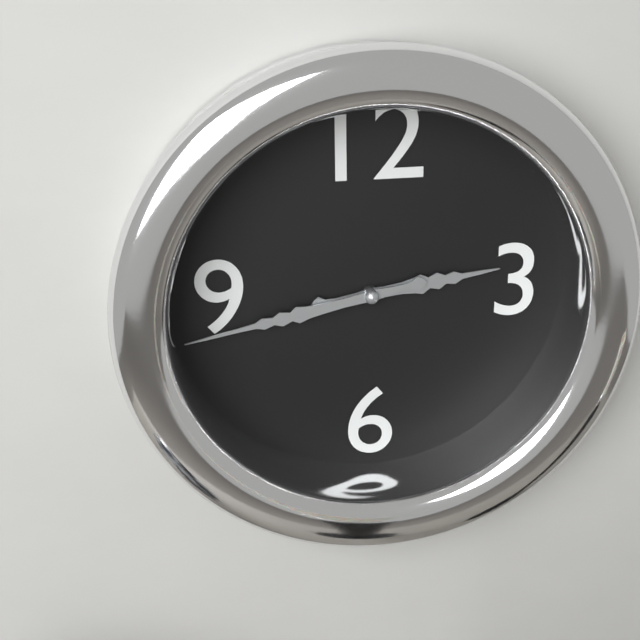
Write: 2:43
